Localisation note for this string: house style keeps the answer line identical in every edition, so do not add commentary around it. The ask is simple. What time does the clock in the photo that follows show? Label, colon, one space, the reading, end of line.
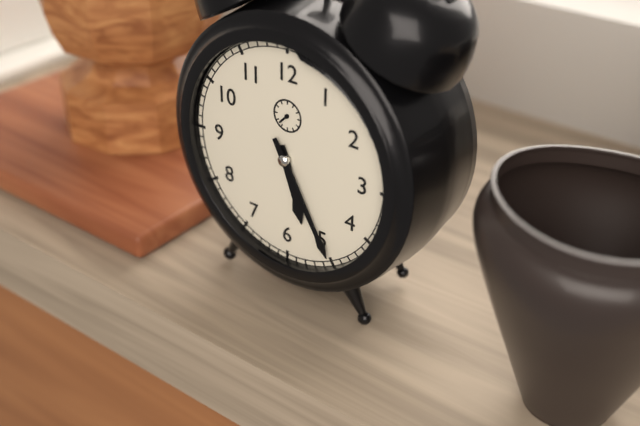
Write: 5:25
